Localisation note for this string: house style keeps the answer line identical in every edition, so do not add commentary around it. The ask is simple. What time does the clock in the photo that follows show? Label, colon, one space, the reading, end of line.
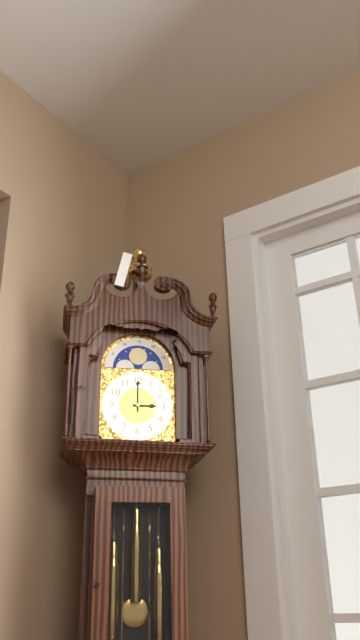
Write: 3:00
